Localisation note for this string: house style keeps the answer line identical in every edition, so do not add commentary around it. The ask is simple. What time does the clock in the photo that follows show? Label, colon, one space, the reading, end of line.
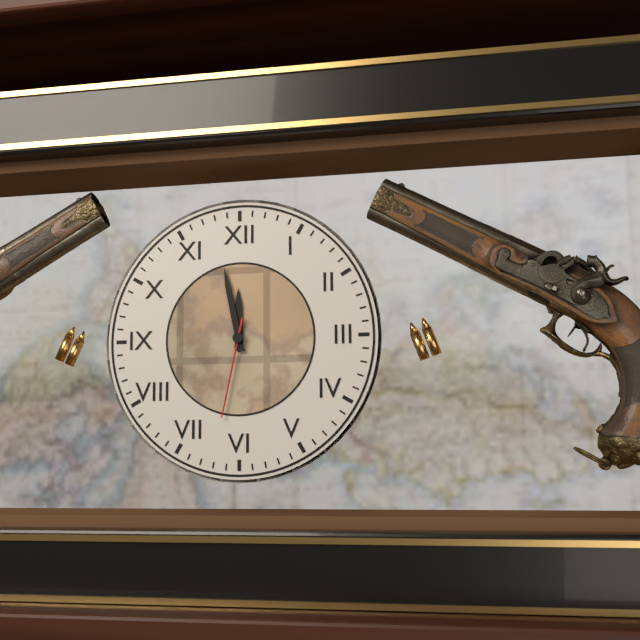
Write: 11:58:32
